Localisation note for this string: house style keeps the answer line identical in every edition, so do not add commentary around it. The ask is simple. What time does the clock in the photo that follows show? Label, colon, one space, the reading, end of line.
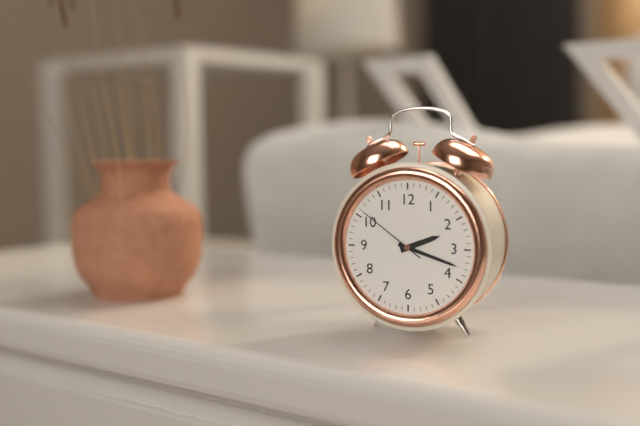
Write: 2:18:51
